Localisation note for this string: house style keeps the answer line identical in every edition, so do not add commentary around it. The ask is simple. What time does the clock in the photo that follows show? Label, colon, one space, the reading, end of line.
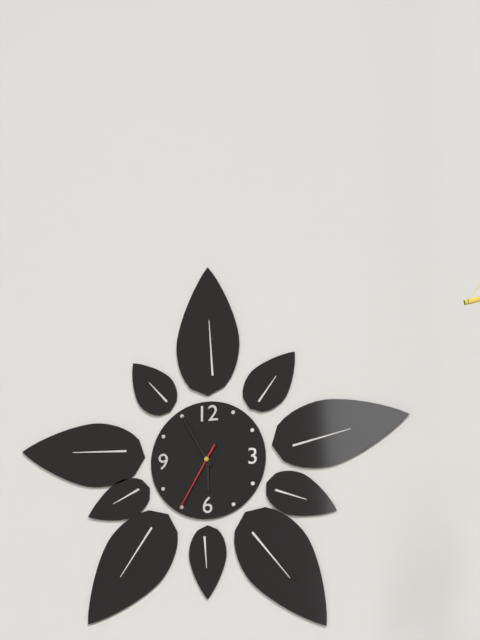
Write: 5:55:35
